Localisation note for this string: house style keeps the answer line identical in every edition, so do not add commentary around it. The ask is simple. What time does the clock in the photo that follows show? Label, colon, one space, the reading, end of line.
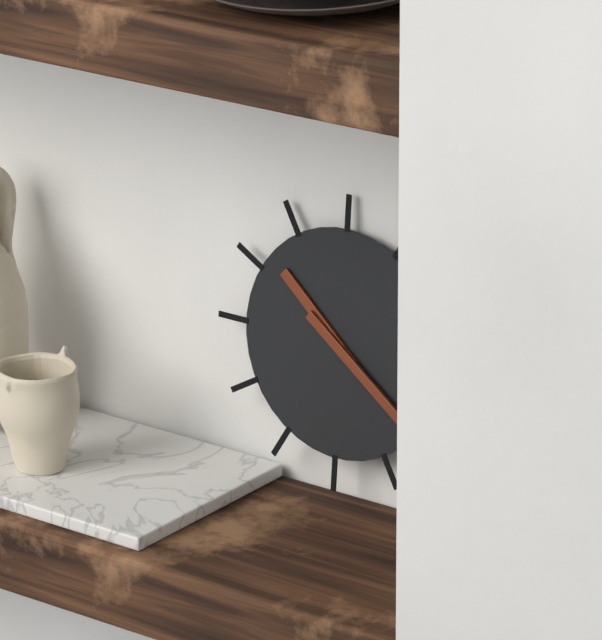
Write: 10:21
